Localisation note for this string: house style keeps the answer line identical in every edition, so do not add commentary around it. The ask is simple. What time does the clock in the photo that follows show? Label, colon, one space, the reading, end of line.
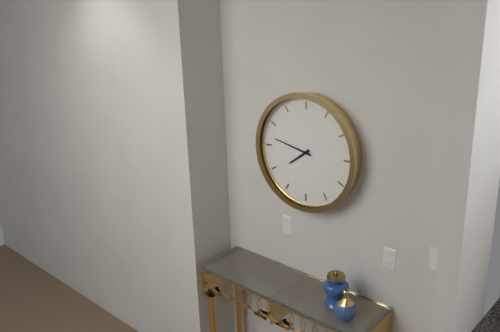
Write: 7:47
